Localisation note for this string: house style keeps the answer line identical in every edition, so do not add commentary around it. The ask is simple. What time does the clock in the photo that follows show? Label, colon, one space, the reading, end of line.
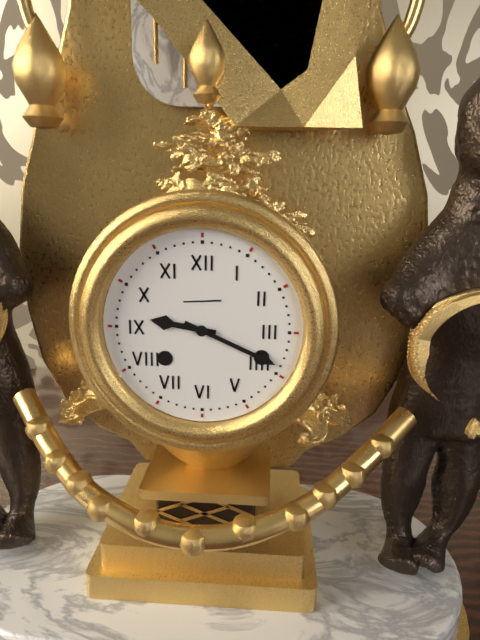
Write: 9:19
